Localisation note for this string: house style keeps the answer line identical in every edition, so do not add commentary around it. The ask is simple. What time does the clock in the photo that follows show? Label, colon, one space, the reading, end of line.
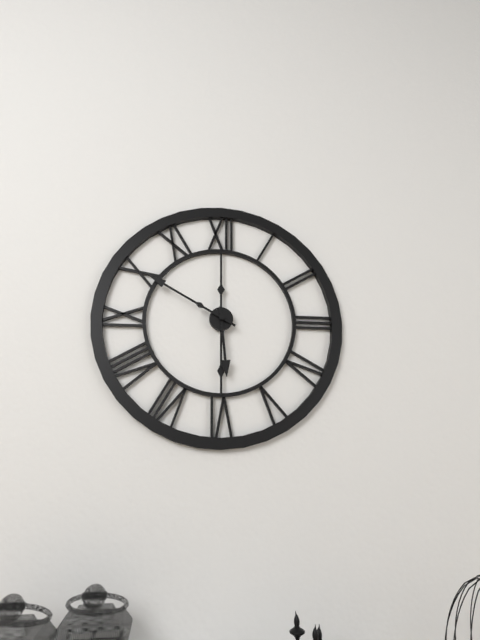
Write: 5:50
